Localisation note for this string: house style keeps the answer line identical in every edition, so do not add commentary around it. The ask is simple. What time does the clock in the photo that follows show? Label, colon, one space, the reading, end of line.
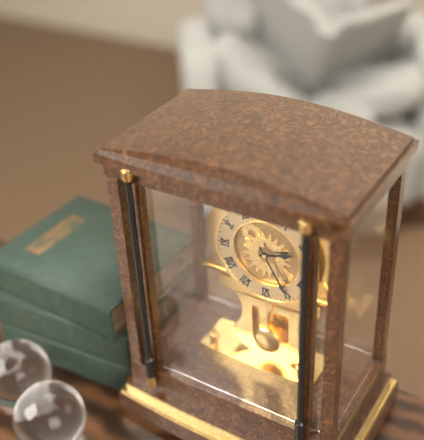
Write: 2:25
